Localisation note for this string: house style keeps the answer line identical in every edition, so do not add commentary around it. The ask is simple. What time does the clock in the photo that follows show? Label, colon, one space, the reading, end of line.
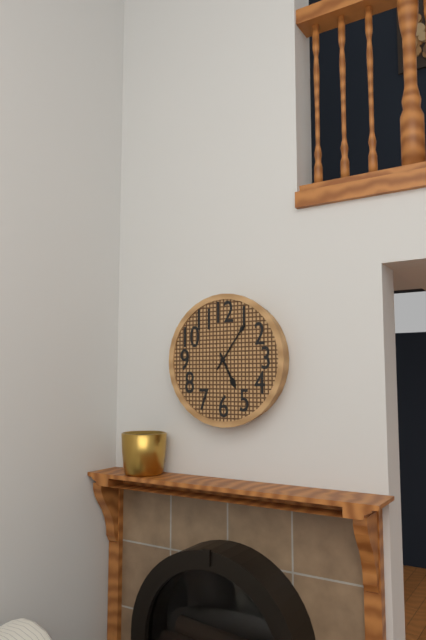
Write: 5:06
